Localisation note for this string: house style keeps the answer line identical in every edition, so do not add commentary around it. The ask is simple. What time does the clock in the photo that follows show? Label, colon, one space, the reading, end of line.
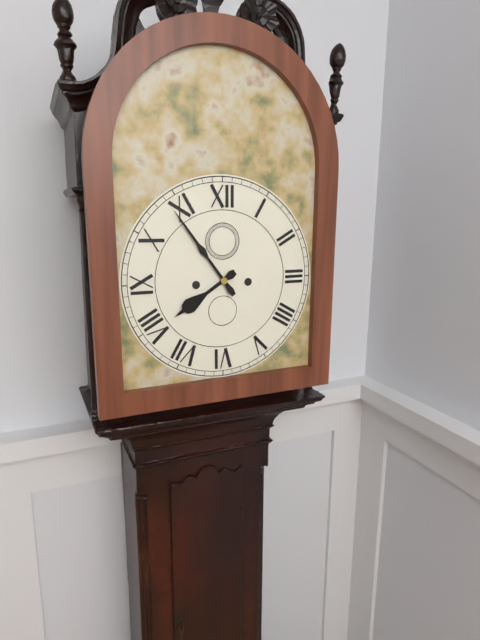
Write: 7:54
